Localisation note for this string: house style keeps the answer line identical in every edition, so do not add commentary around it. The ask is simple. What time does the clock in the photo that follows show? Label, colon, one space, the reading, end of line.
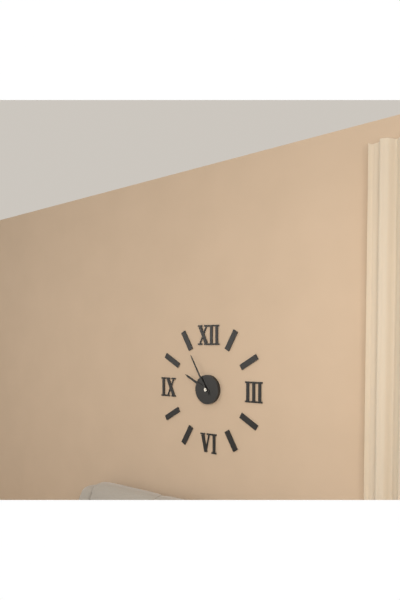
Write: 9:55
